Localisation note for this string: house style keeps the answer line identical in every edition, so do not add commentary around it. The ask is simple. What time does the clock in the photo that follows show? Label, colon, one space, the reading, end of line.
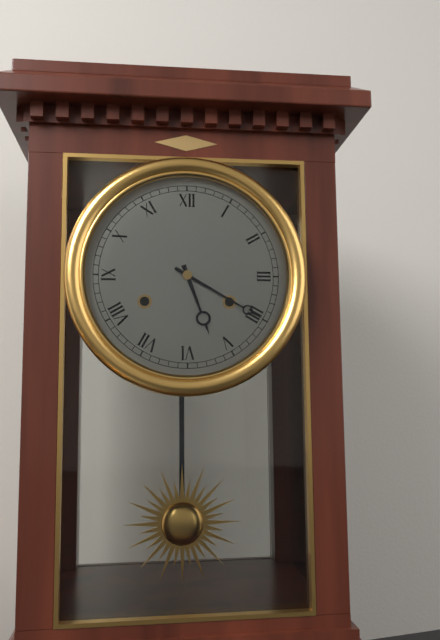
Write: 5:20
